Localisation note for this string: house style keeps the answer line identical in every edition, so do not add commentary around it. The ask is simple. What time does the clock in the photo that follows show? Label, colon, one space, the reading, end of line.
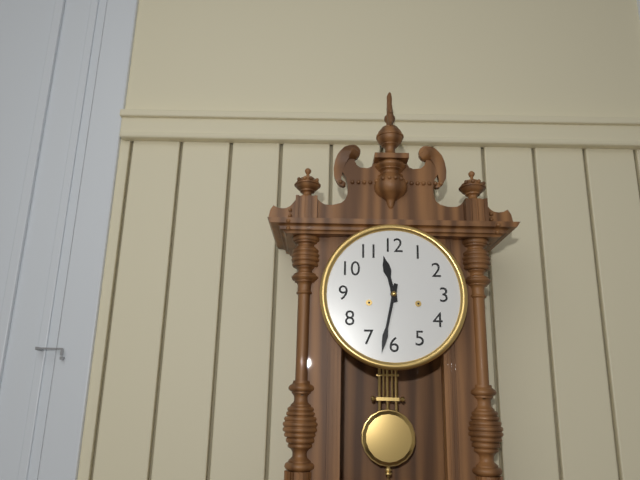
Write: 11:32
